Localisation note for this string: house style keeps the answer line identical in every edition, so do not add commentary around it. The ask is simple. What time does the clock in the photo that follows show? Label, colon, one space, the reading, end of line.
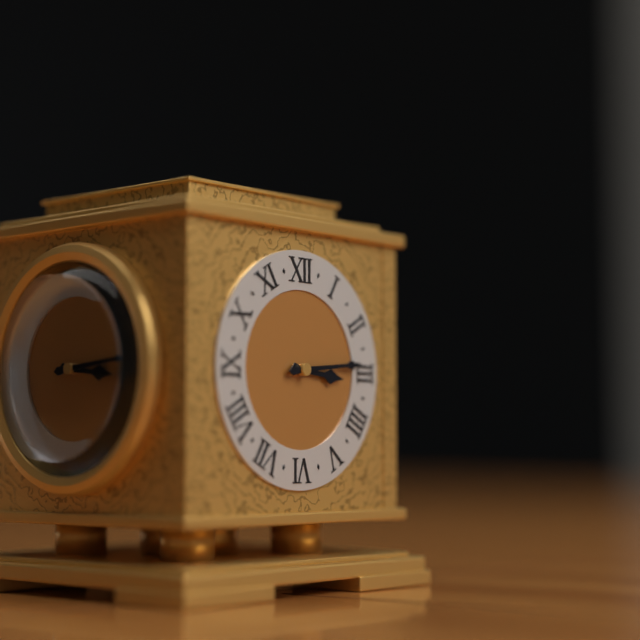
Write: 3:14
